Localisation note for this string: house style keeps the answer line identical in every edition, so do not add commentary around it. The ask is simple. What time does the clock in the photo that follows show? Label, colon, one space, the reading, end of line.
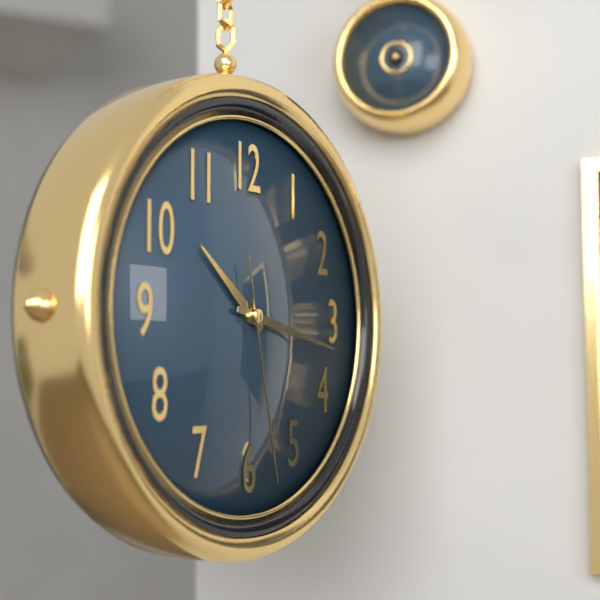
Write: 10:17:28
